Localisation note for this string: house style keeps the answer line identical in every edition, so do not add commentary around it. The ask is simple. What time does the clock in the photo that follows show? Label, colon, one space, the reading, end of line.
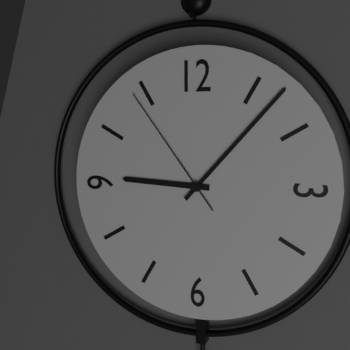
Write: 9:07:54
